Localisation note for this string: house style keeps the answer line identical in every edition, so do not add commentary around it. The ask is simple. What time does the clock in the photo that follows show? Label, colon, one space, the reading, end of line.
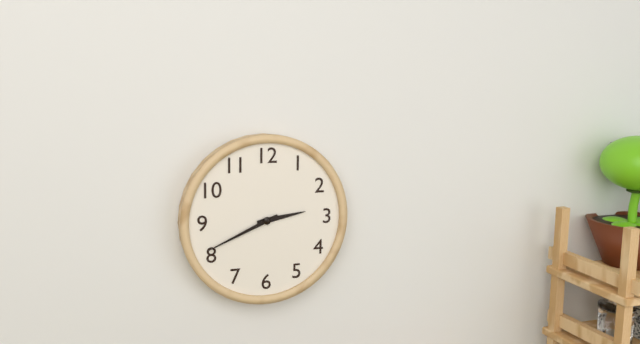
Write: 2:41
